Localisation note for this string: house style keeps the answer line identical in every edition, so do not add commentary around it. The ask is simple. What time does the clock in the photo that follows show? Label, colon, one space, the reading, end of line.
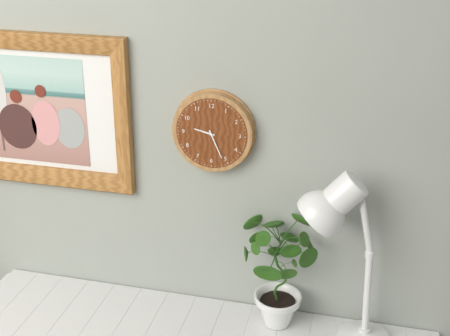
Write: 9:26
